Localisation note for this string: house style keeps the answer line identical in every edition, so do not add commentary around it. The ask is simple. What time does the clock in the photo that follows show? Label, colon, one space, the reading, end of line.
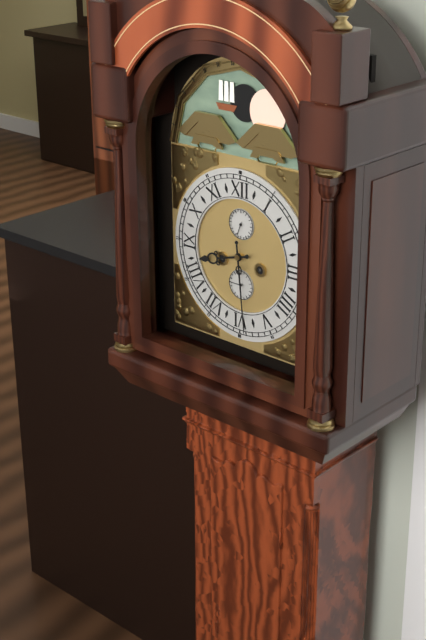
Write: 8:29
